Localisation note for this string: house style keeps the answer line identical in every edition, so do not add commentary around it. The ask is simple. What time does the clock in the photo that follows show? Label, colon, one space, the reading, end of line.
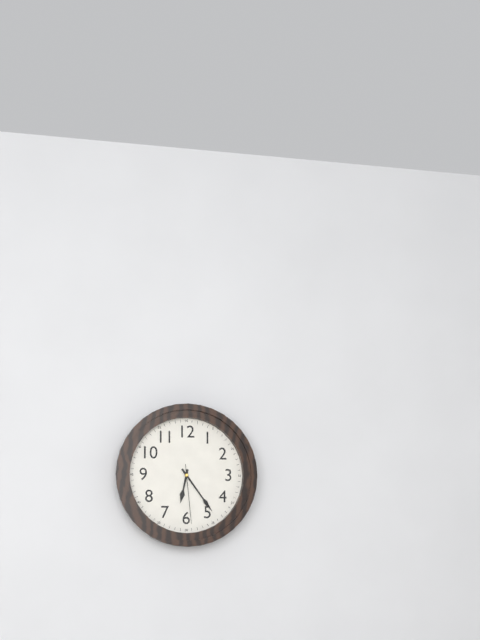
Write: 6:24:29
